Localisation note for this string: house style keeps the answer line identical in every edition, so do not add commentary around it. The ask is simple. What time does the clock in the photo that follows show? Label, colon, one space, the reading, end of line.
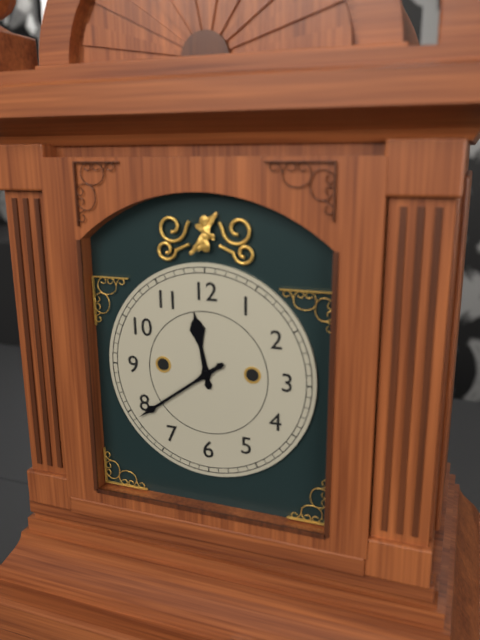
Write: 11:39
